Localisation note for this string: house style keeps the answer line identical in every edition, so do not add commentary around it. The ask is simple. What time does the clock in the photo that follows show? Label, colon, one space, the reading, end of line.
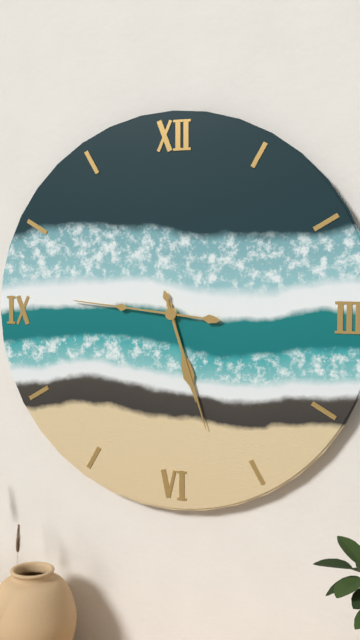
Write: 5:27:46
